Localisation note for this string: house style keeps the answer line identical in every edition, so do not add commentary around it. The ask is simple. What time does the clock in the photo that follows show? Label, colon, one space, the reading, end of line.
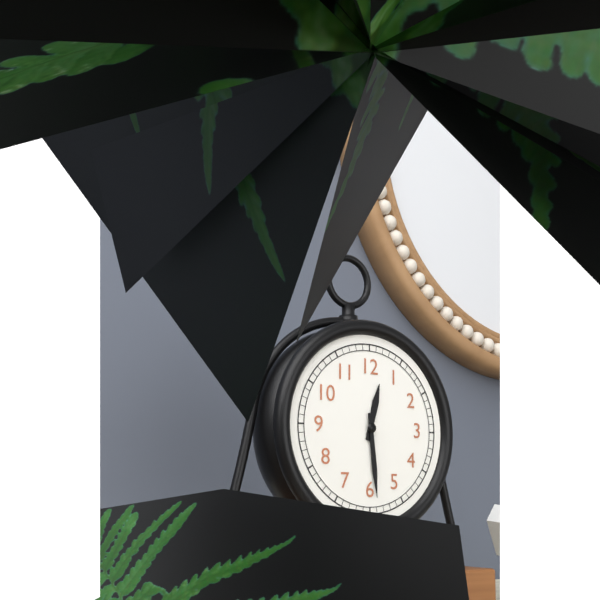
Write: 12:29
